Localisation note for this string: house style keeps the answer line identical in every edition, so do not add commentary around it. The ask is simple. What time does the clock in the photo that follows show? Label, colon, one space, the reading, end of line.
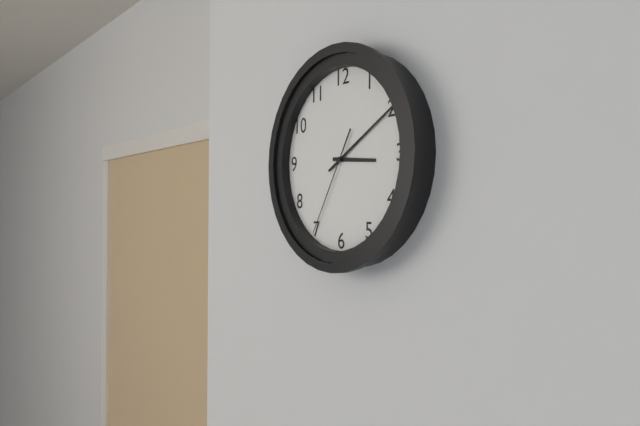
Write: 3:10:35
